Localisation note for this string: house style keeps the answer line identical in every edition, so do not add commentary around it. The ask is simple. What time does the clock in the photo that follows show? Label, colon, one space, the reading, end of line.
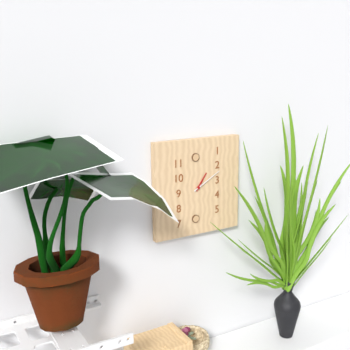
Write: 1:10
